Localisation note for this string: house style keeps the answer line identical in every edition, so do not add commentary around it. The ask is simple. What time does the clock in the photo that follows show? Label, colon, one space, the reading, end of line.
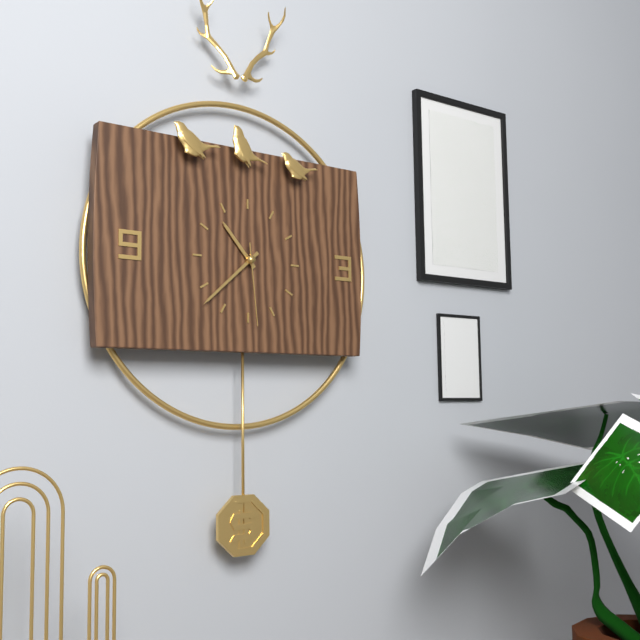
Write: 10:38:29
